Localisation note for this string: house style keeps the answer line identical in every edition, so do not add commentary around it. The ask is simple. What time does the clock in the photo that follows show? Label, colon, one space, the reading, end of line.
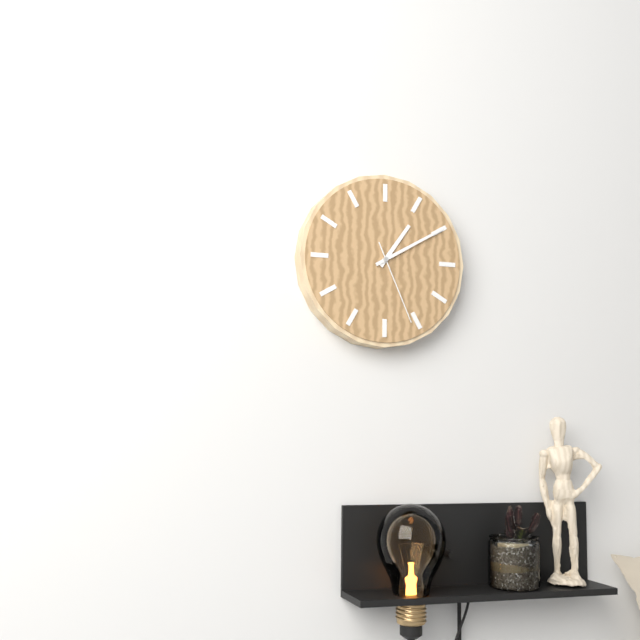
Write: 1:10:26
